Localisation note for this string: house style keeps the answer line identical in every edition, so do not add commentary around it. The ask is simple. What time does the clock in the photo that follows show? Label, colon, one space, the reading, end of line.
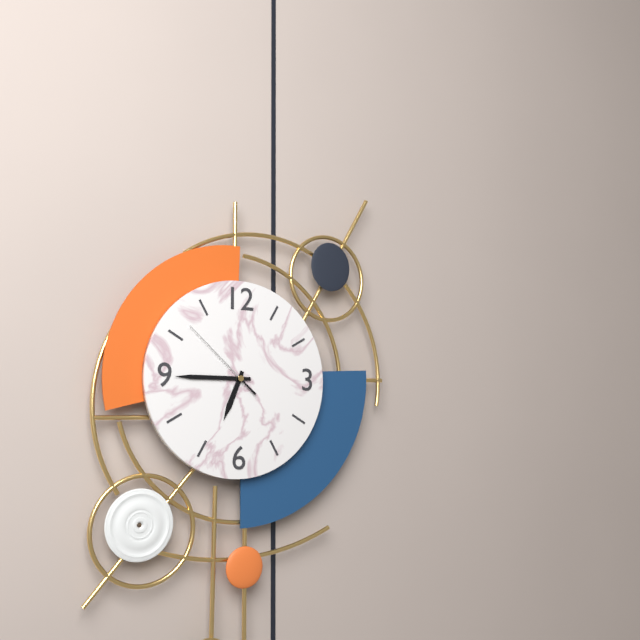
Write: 6:45:52
